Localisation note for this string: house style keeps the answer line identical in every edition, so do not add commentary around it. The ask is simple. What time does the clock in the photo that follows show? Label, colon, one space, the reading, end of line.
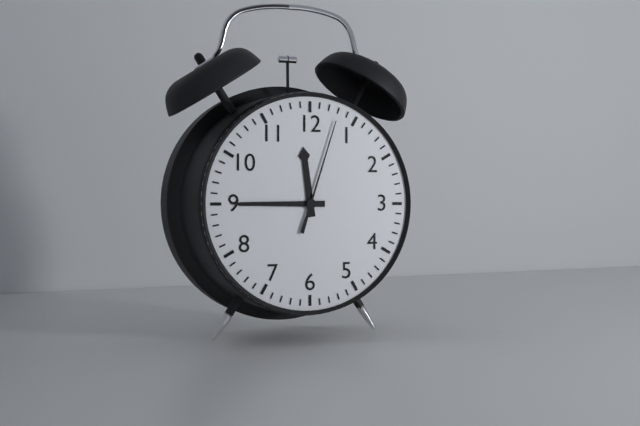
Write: 11:45:03
